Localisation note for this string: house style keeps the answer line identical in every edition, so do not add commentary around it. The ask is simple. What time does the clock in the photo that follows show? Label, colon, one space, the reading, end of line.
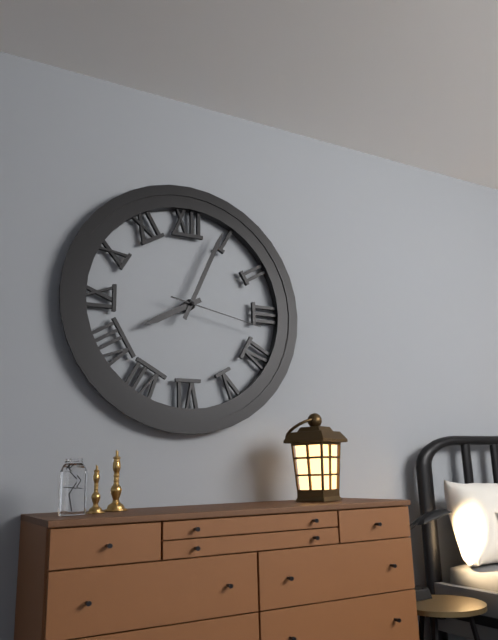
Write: 8:04:17
